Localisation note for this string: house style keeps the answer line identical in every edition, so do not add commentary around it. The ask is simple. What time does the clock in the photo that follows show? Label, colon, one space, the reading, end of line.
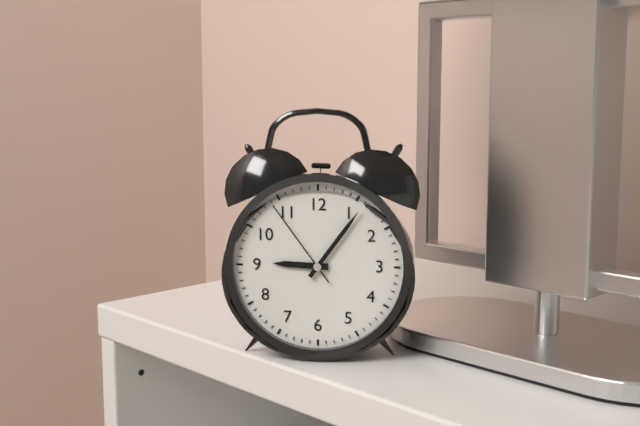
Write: 9:06:54
